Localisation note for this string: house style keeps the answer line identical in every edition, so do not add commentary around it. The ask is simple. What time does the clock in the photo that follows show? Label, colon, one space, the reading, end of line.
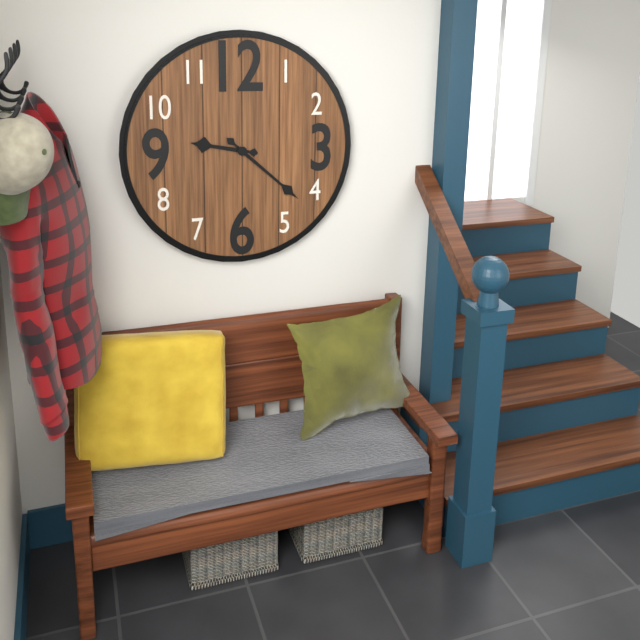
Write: 9:22
